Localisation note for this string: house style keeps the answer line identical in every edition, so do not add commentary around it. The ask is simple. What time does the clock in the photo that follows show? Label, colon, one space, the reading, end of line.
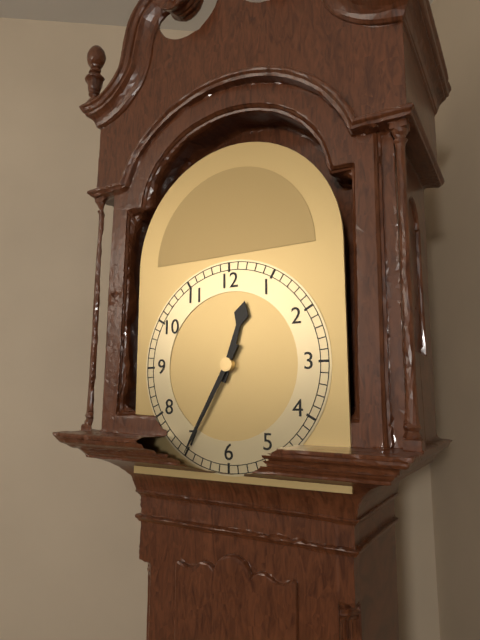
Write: 12:35
